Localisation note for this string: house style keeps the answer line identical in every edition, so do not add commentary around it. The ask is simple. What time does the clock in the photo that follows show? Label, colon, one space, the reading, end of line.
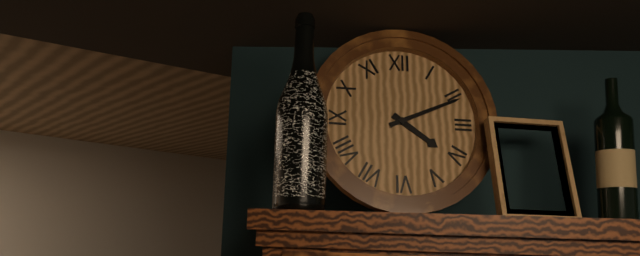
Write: 4:11
